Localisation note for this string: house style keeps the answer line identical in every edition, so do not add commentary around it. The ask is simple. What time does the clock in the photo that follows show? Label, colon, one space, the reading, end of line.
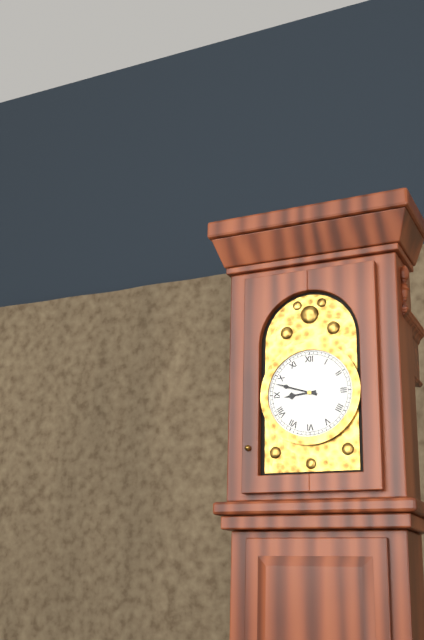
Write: 8:48
